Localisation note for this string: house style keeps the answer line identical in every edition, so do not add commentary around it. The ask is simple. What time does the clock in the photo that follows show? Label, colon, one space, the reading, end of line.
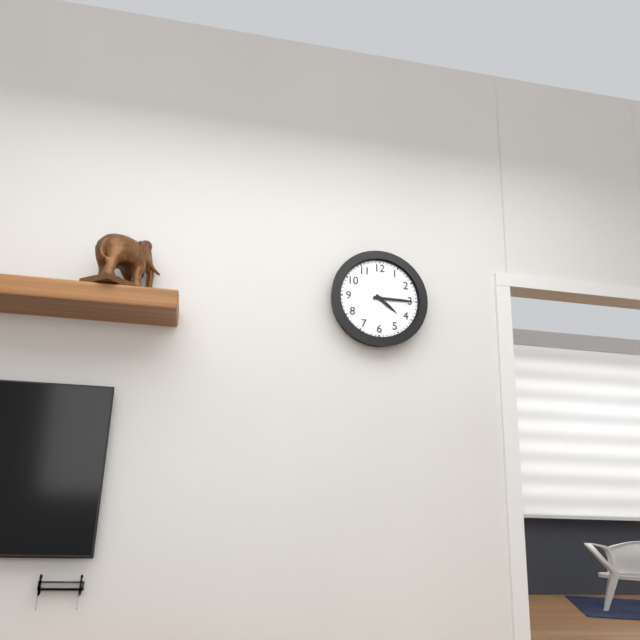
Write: 4:15
